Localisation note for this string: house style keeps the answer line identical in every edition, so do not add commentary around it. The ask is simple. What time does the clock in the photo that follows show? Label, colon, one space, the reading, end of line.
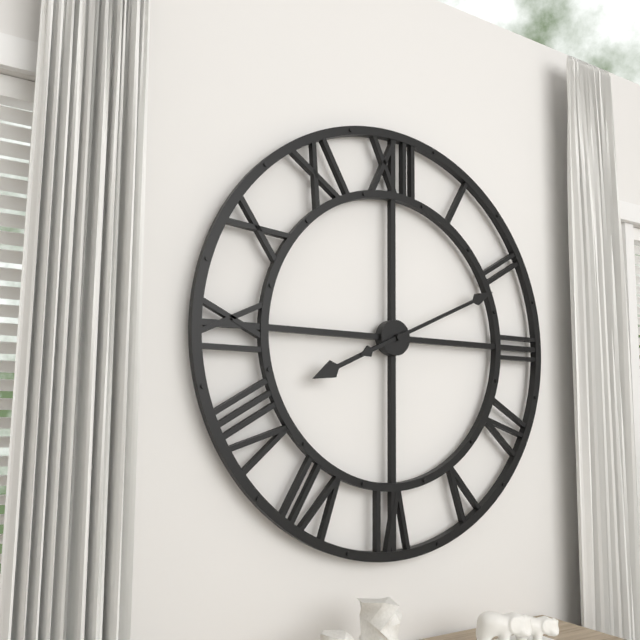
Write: 8:11
